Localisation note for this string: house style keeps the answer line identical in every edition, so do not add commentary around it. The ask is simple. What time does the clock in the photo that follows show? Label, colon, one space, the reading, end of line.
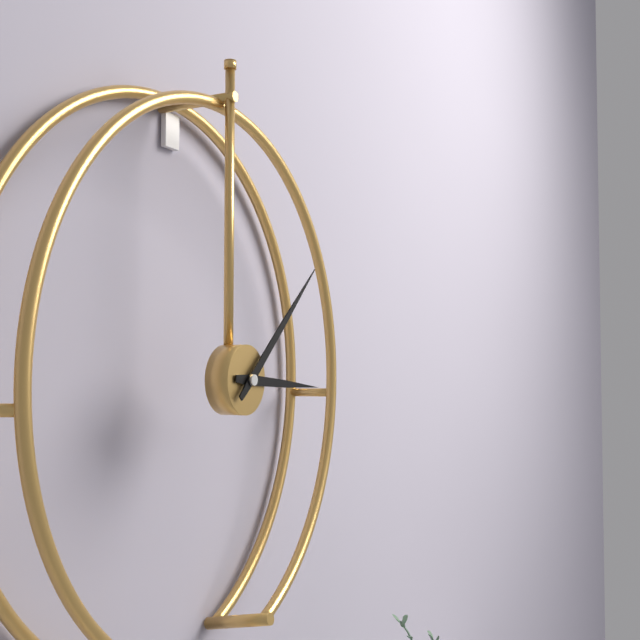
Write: 3:08
